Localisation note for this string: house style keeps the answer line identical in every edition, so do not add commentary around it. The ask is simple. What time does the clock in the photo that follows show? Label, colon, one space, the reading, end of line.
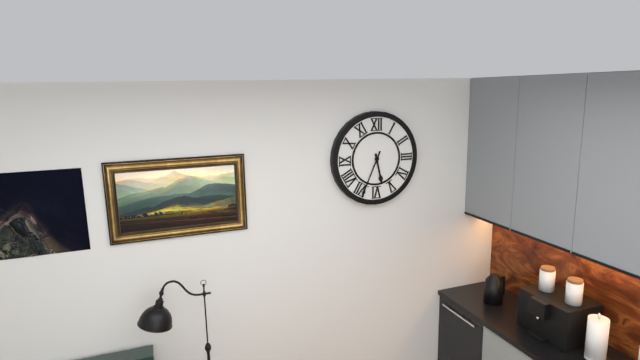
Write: 5:34
